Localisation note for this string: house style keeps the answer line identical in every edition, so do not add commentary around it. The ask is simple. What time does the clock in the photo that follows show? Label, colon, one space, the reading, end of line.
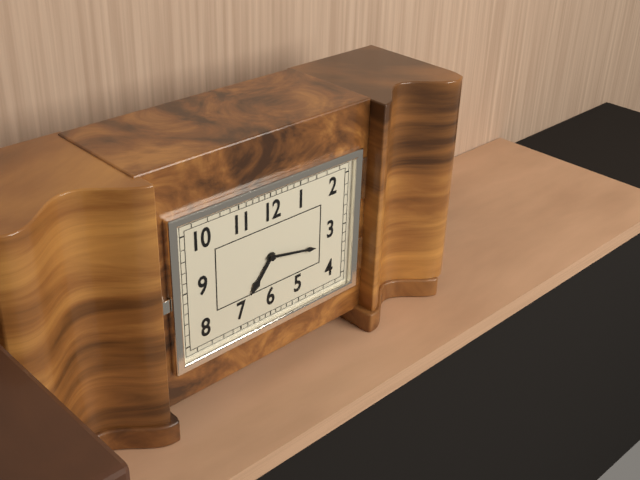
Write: 7:17
